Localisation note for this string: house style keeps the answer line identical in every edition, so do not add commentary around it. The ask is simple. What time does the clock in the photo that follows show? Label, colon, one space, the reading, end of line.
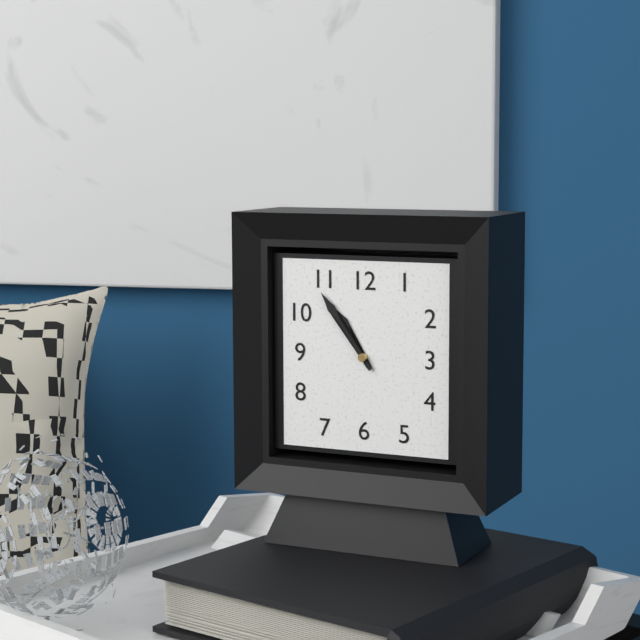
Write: 10:54
